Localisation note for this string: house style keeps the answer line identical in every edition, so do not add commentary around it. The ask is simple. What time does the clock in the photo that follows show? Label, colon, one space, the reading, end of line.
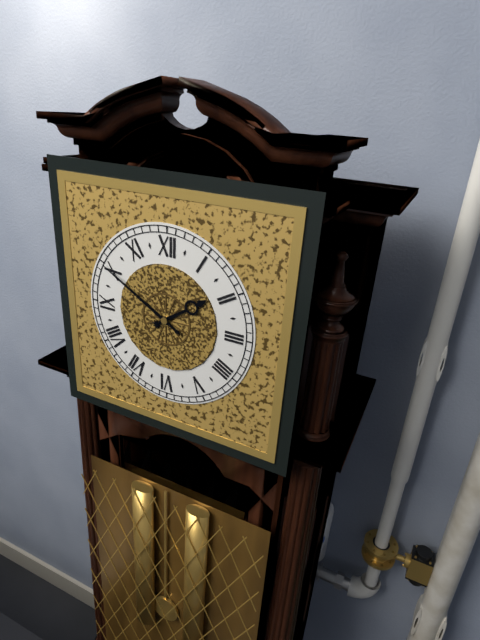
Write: 1:50
